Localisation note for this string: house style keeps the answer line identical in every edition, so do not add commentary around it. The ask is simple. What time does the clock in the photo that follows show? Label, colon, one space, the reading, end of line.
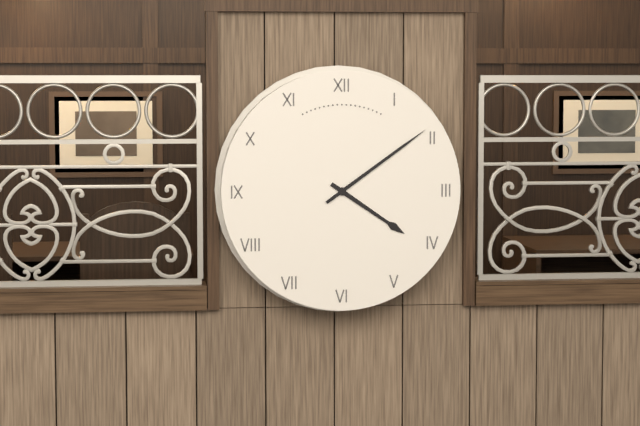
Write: 4:09
